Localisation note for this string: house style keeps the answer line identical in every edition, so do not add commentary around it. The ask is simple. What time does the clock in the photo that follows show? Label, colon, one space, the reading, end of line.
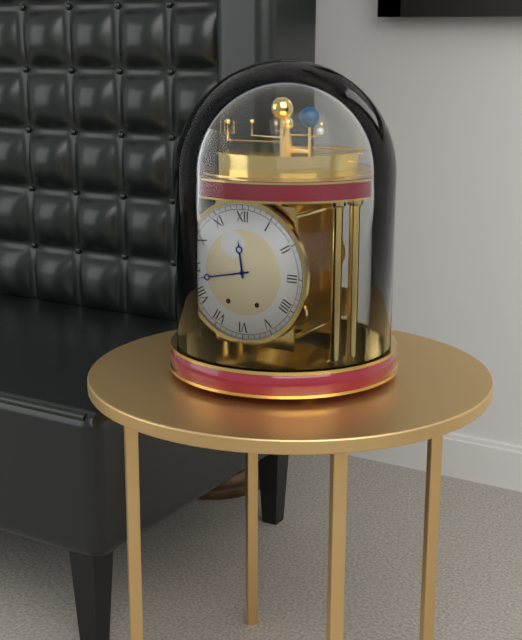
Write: 11:43
